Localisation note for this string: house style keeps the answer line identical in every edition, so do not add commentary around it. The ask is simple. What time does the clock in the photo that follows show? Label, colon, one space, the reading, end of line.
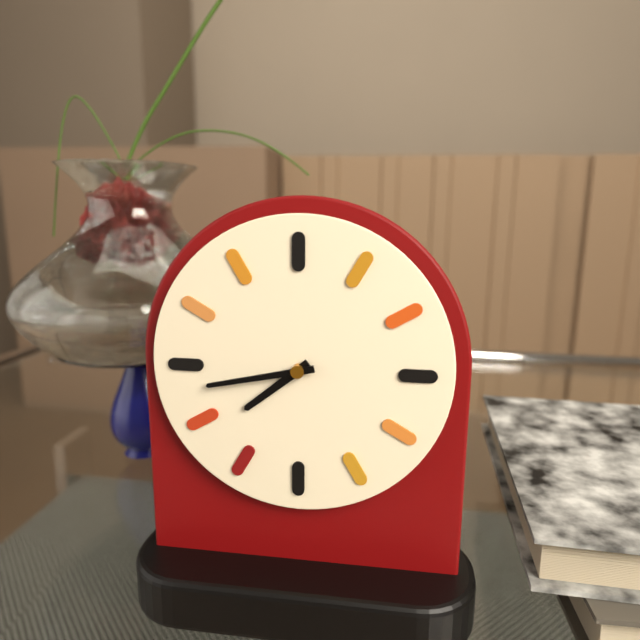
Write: 7:43
